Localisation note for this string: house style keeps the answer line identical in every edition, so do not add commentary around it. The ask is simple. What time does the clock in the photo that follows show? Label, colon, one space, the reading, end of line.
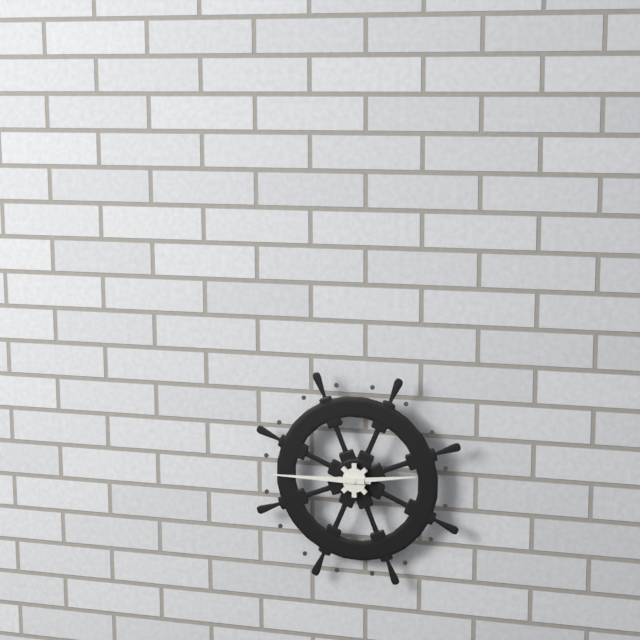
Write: 2:45
